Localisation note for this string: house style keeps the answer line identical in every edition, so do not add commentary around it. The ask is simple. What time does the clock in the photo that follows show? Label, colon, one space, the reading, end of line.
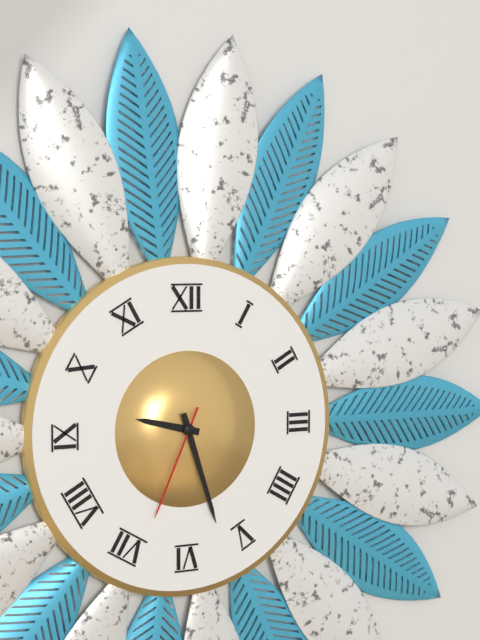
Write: 9:27:34
